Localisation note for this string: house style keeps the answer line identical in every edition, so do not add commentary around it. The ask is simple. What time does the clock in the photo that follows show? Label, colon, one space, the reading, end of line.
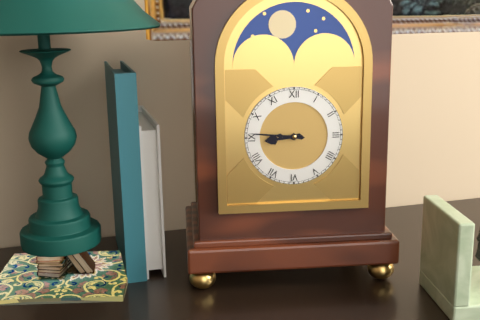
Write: 8:46
